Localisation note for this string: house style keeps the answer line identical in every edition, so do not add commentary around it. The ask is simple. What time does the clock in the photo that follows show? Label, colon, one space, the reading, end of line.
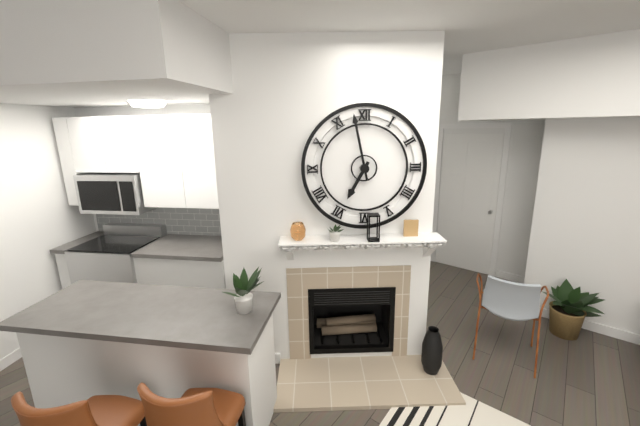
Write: 6:58
